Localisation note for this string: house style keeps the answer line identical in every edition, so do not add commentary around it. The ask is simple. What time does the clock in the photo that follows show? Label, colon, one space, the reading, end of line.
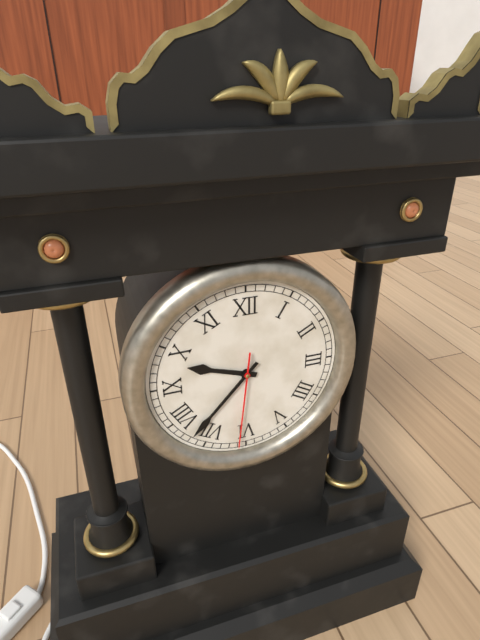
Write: 9:37:31
